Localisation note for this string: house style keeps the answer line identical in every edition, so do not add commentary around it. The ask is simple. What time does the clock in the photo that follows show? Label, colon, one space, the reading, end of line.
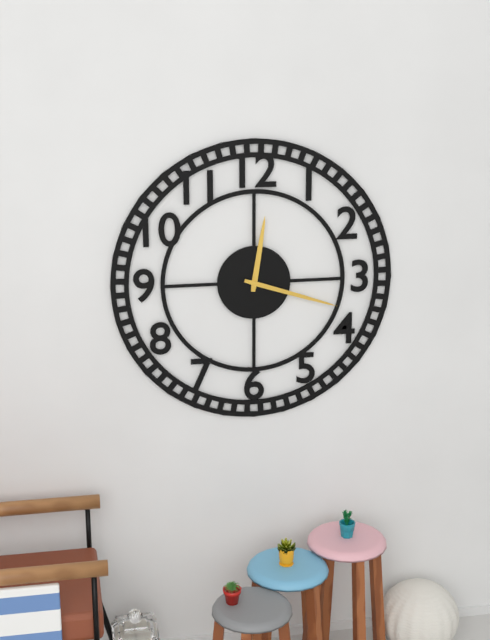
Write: 12:18
